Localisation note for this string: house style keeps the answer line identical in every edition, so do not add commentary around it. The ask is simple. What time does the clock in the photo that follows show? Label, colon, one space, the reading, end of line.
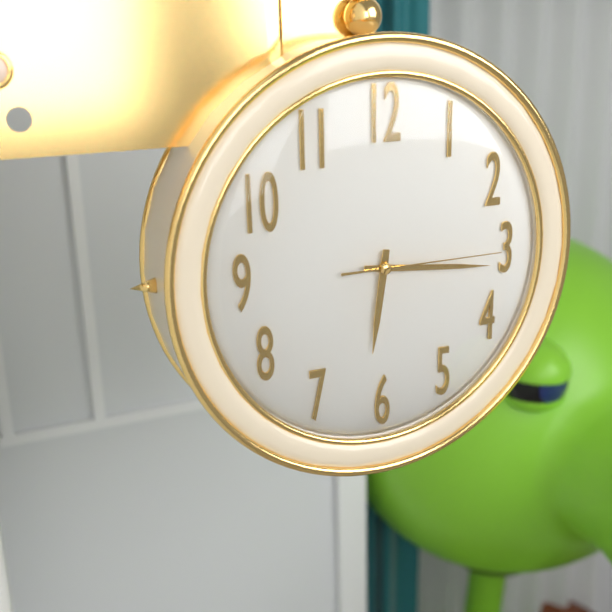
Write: 6:16:15
